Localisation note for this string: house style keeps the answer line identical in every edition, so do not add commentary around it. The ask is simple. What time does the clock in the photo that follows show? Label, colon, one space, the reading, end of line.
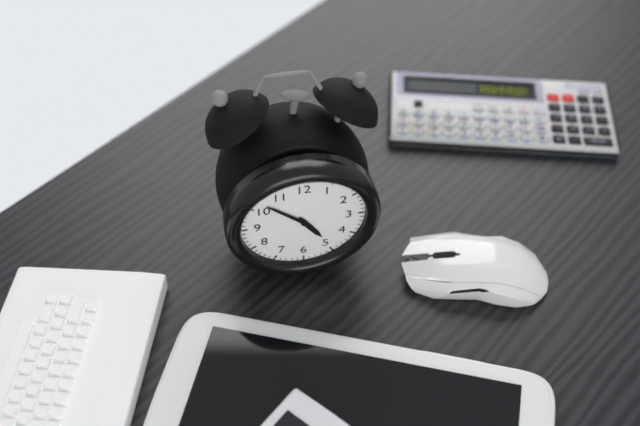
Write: 4:52
